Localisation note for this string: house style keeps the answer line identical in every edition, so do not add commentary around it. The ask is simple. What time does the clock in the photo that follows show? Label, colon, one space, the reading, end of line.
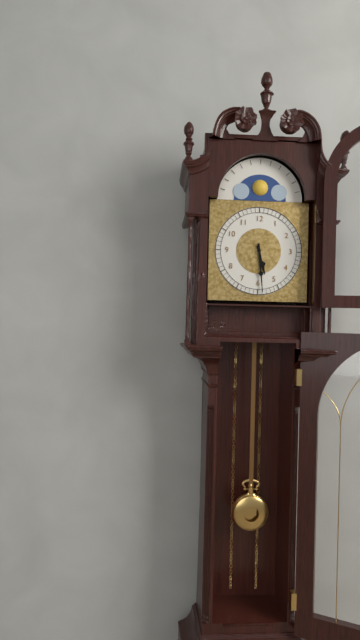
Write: 5:29
